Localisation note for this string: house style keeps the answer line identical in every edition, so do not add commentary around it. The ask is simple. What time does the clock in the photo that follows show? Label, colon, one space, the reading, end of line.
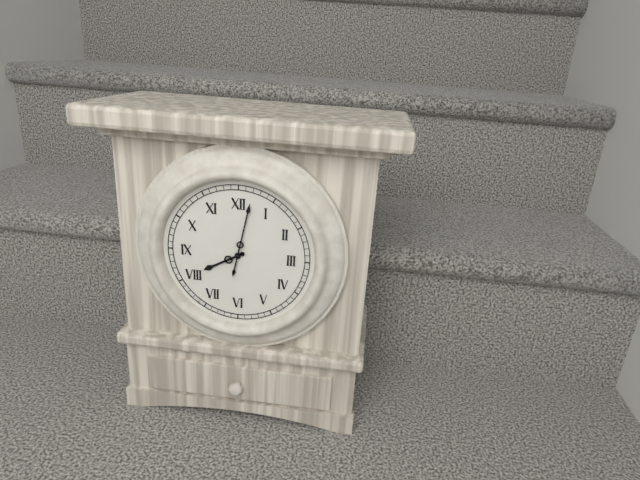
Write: 8:02
